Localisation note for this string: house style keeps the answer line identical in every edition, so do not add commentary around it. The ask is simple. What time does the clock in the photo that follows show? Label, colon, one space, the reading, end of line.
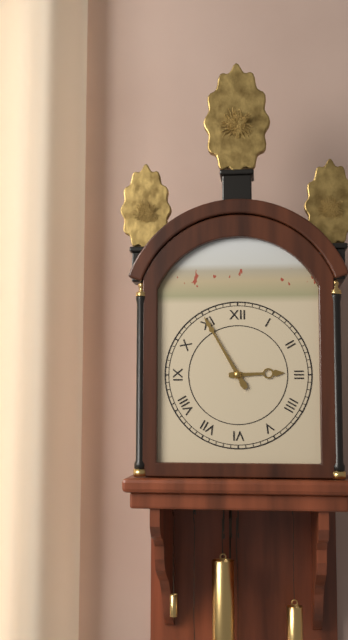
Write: 2:55
